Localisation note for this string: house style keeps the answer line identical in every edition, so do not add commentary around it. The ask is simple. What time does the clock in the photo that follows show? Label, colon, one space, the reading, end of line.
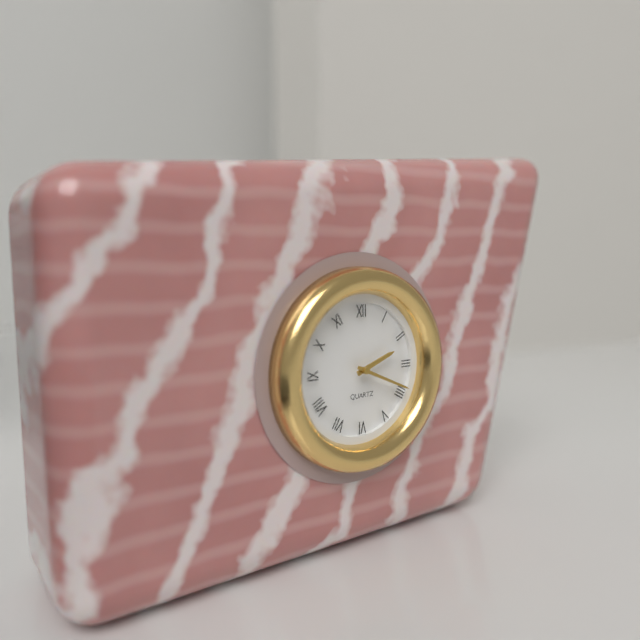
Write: 2:19
